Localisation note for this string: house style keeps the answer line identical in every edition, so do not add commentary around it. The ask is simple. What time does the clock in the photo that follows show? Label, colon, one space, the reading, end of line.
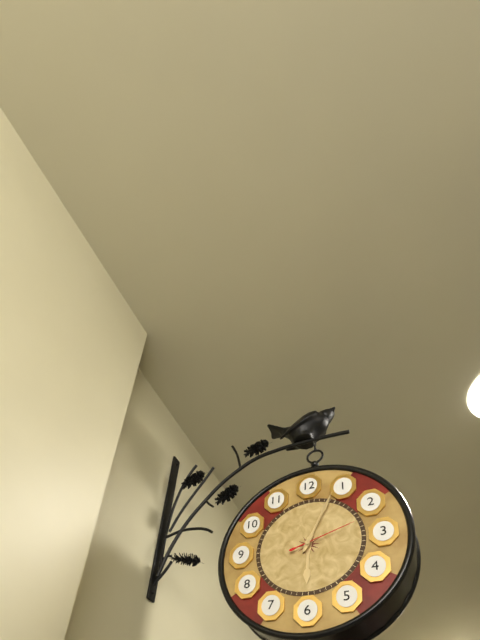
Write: 6:04:12
